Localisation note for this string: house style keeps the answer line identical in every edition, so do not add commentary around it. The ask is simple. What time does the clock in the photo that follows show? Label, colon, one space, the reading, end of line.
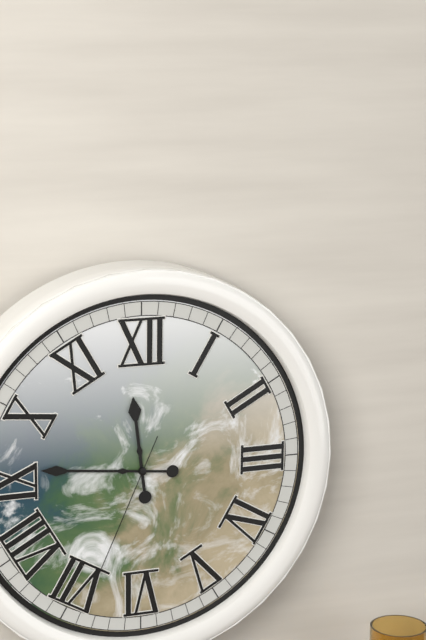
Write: 11:46:34
